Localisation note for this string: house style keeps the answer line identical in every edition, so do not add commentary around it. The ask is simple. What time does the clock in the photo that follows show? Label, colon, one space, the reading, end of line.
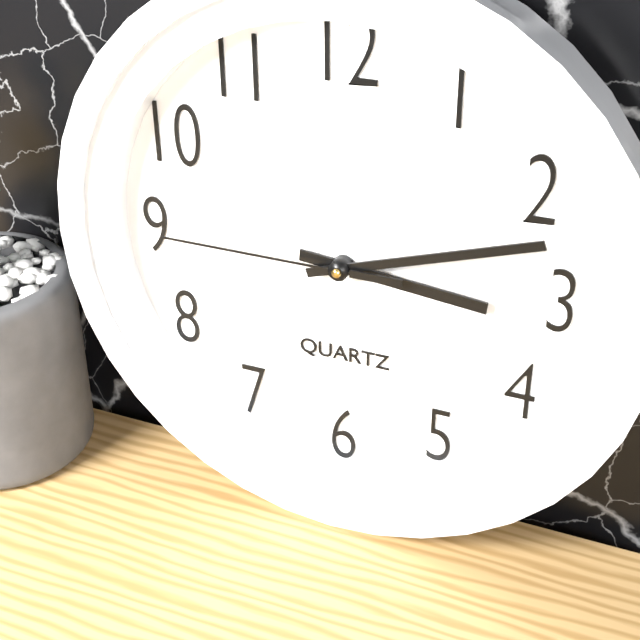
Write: 3:12:45
